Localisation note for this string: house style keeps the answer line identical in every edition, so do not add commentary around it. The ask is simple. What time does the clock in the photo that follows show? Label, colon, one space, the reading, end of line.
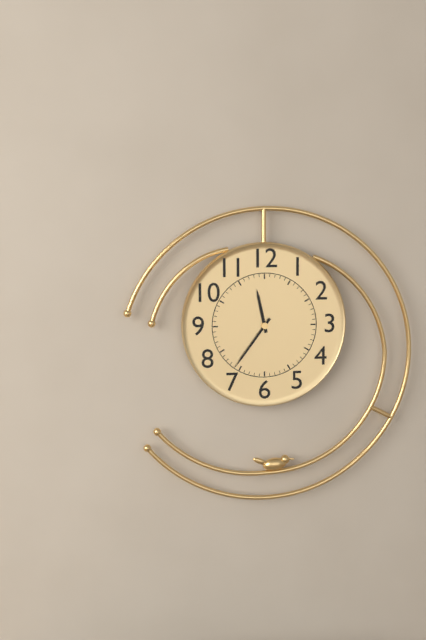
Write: 11:36
